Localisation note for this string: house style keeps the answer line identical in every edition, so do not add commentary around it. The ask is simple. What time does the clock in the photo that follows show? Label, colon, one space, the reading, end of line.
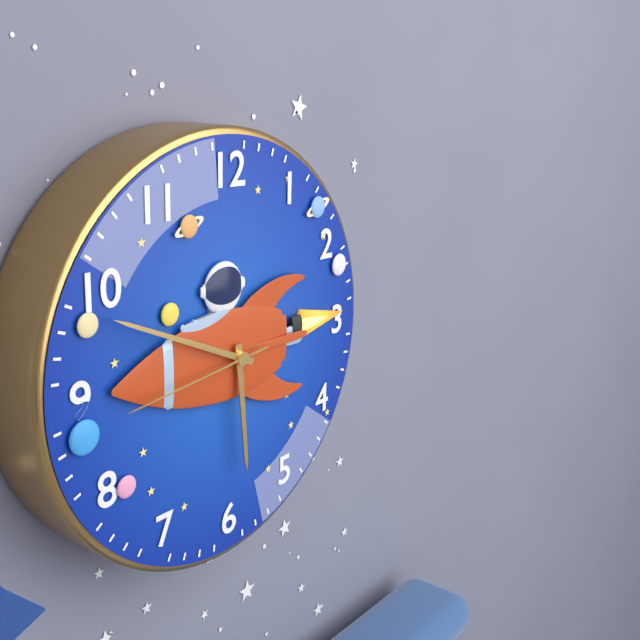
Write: 5:49:44
